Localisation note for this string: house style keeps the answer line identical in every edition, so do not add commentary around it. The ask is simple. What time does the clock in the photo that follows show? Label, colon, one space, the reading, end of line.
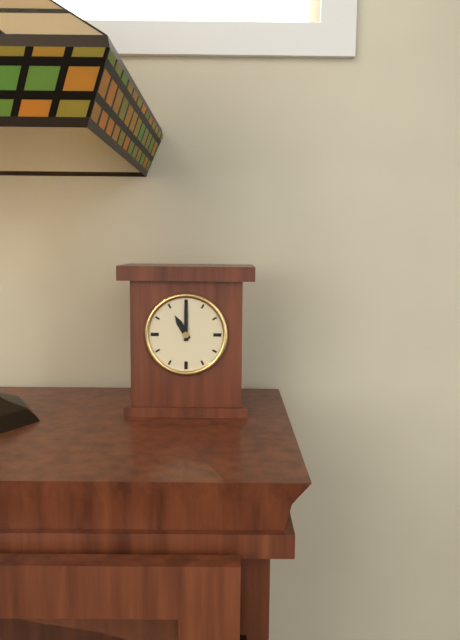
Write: 11:00
